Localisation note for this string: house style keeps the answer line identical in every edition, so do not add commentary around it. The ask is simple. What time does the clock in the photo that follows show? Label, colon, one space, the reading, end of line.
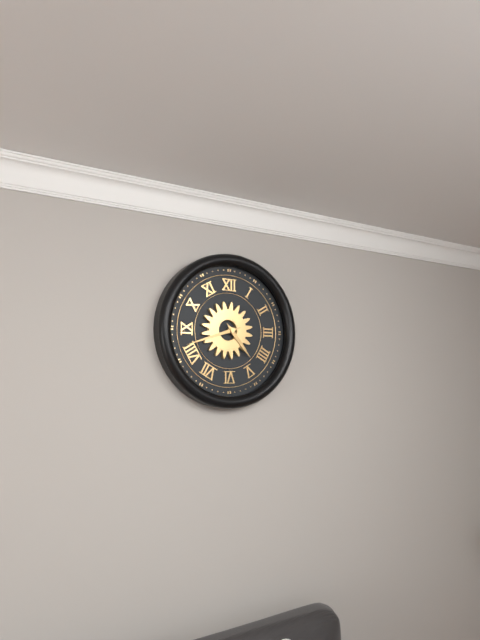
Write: 4:42
